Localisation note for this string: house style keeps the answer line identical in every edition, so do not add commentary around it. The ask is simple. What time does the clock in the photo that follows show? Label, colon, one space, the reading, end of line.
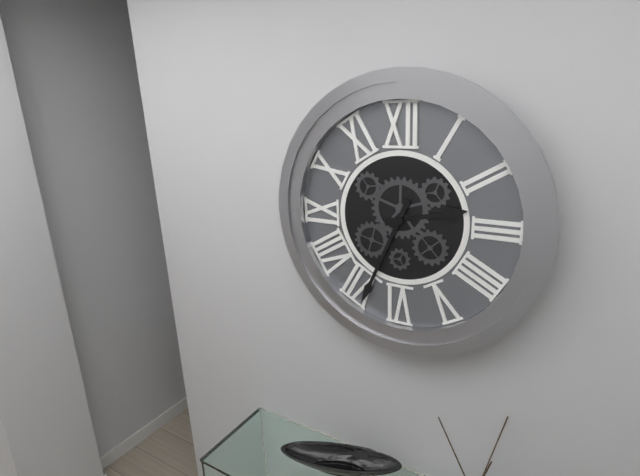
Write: 2:34
